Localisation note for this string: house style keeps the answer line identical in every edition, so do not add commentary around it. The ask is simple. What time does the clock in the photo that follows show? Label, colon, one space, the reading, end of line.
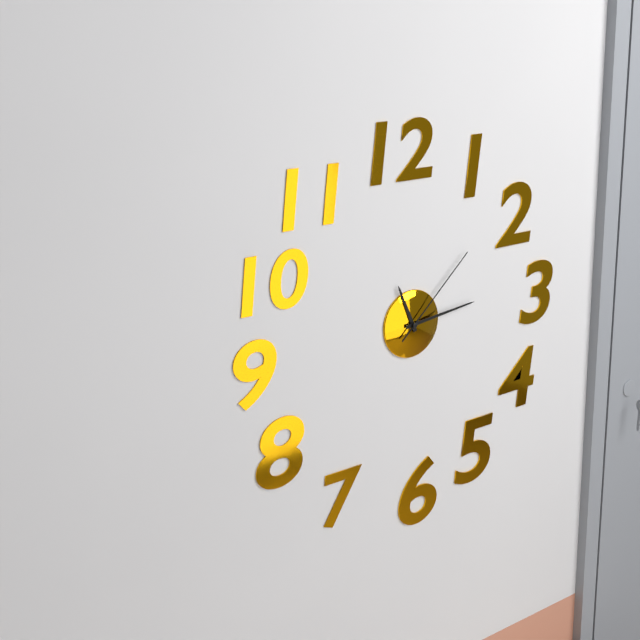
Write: 11:14:08
